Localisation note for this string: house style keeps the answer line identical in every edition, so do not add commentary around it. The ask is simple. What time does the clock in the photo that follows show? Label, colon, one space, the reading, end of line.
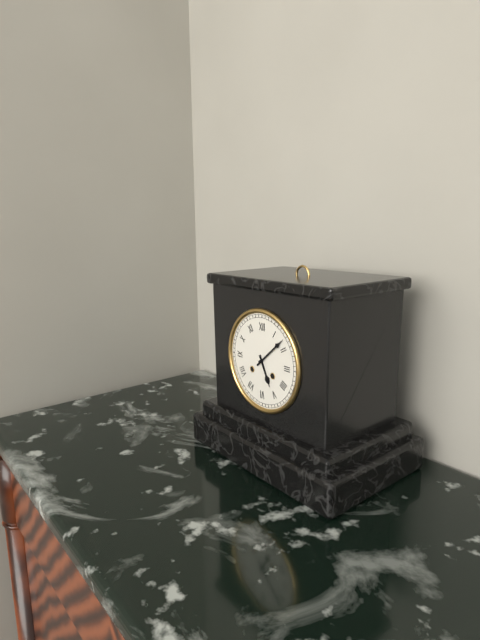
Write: 5:08
